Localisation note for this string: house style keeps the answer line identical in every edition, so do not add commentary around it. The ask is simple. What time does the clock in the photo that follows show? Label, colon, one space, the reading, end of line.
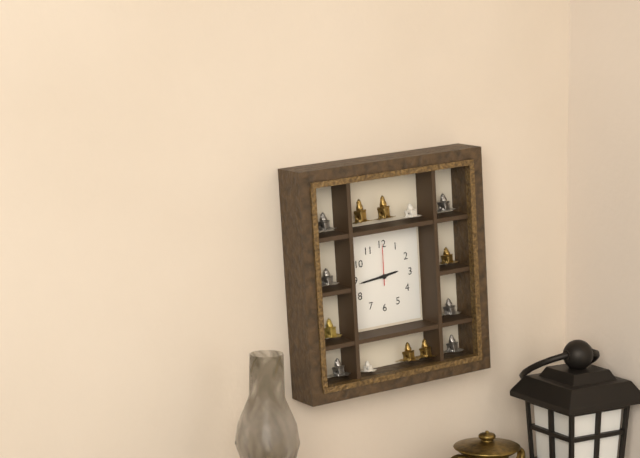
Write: 2:44
